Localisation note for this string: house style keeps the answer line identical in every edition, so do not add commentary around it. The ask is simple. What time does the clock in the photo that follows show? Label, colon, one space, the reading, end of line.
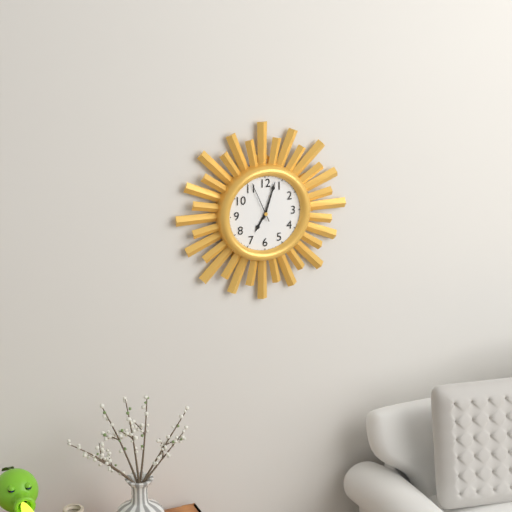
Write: 7:03
